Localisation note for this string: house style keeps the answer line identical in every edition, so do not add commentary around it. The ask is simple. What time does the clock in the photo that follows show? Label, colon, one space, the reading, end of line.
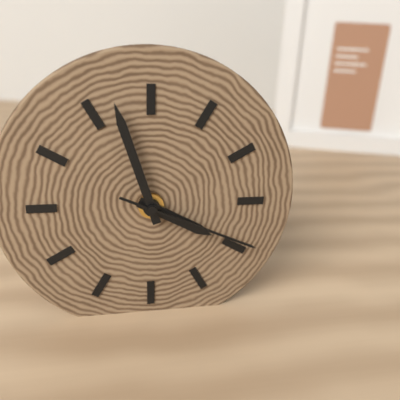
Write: 3:57:19
